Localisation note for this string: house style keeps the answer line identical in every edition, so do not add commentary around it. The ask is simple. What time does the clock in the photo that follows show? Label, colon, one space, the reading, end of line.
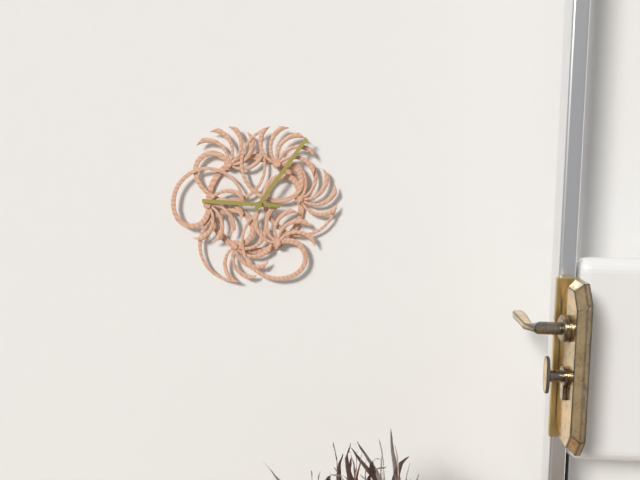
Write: 9:06
